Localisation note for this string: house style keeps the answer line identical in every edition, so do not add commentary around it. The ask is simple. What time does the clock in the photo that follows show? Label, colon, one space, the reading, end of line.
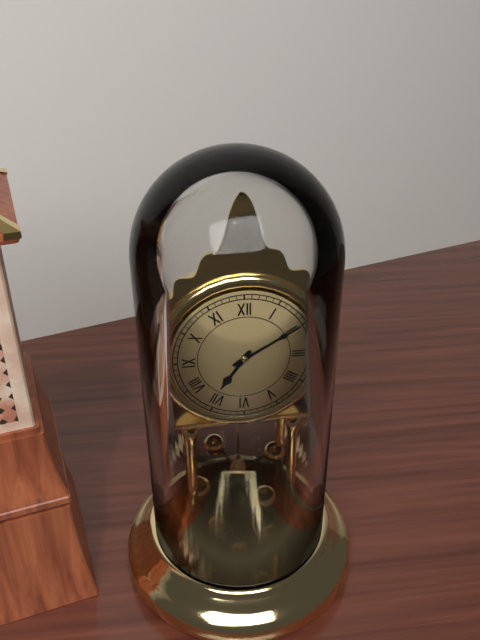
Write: 7:10
